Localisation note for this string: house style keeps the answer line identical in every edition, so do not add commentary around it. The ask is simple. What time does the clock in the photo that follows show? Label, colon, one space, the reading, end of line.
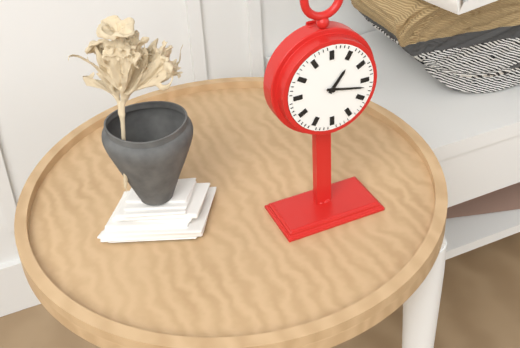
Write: 1:17
